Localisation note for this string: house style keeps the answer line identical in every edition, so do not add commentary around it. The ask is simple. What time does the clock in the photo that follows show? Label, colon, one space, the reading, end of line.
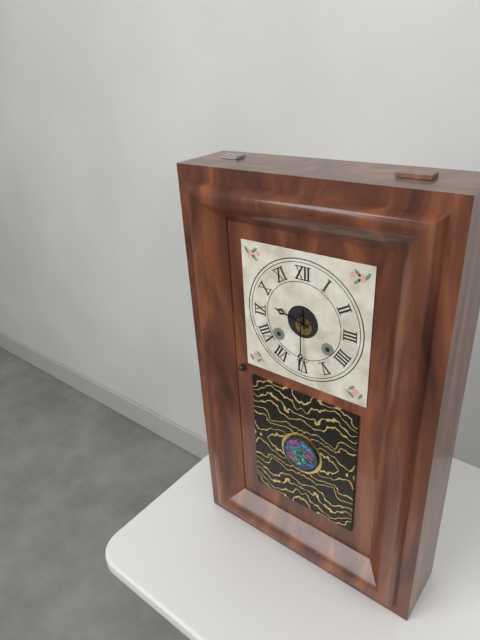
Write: 9:30
